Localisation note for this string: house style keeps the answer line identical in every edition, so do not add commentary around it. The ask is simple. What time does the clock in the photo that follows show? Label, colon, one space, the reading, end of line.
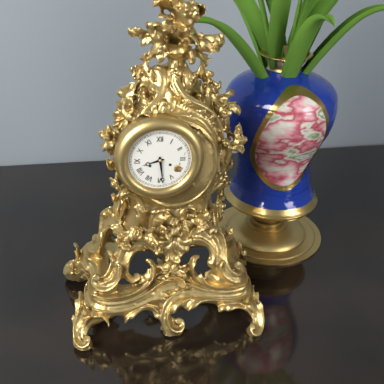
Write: 8:29
